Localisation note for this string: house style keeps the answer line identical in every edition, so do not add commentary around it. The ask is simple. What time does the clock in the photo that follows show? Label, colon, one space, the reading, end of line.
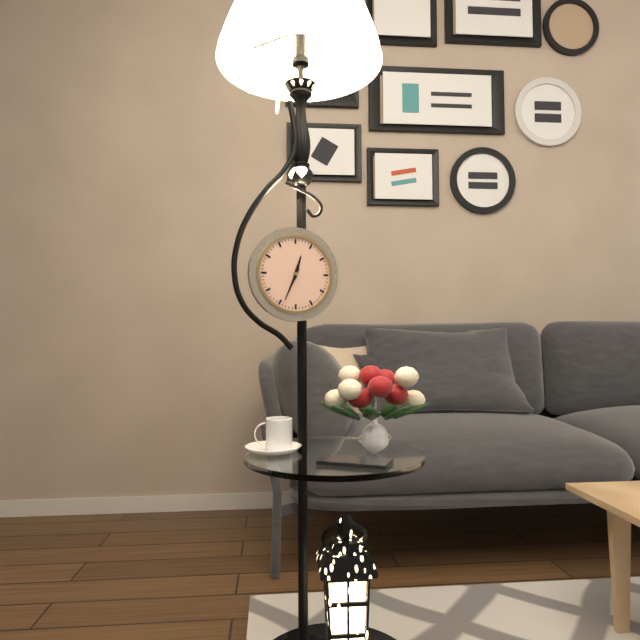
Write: 12:34
